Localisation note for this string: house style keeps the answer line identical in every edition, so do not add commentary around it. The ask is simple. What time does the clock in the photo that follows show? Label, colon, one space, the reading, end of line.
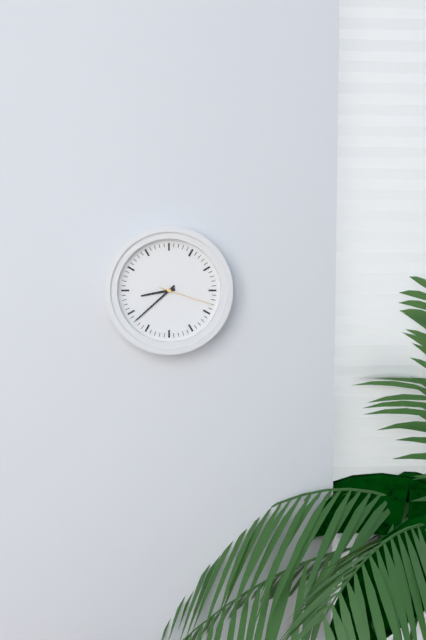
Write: 8:38:18
